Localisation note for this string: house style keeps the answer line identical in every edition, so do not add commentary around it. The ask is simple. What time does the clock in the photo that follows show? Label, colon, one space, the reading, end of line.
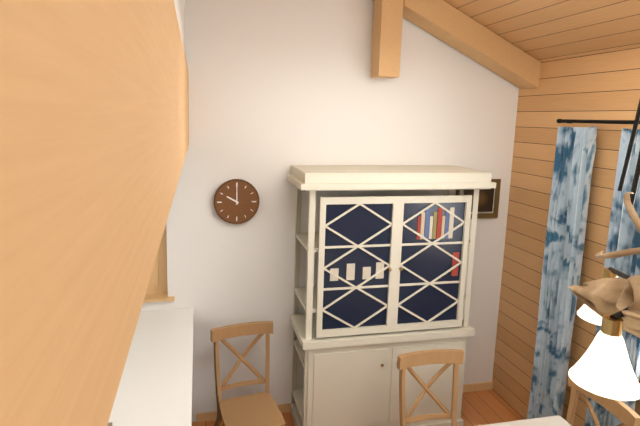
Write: 10:00
